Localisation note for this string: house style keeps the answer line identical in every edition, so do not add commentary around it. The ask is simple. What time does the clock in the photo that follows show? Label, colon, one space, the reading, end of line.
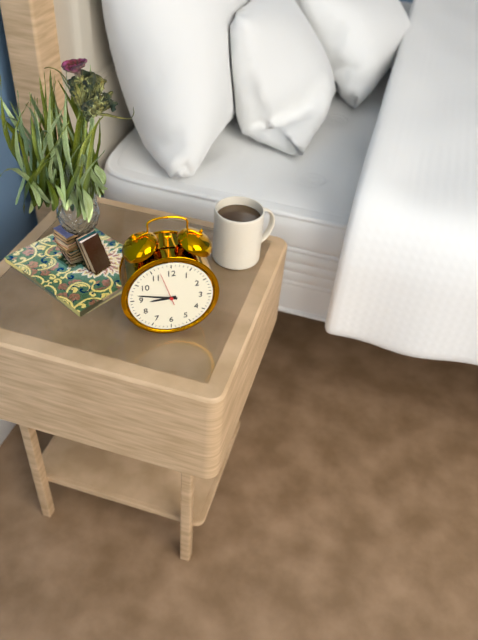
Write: 8:47
